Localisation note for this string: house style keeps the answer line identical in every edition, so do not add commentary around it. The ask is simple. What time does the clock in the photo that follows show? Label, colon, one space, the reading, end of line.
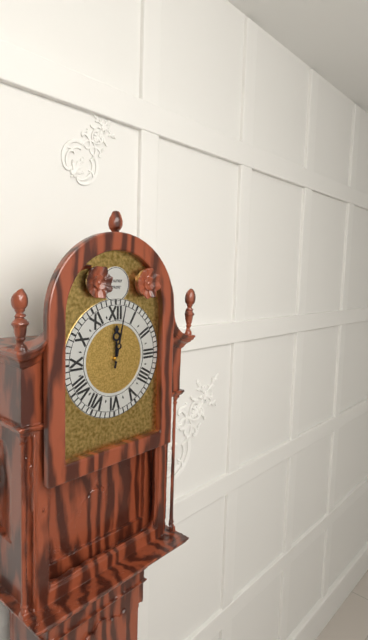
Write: 12:02
